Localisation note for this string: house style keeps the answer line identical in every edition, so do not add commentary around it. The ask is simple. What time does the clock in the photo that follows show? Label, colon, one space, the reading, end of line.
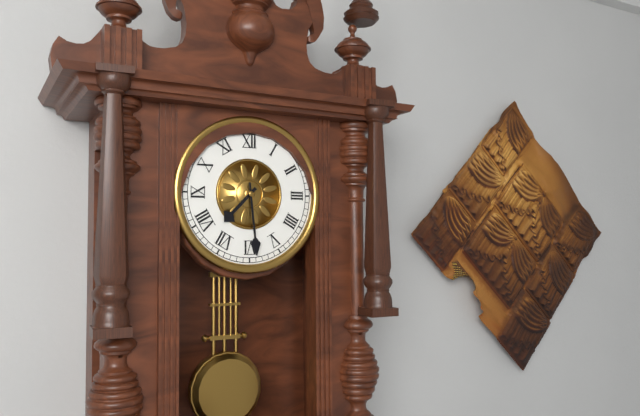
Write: 7:29
